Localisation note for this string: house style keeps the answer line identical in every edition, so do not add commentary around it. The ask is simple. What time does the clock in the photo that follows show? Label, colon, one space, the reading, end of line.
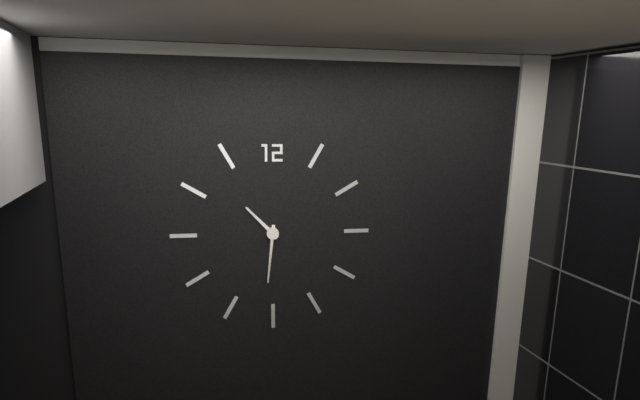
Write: 10:31
